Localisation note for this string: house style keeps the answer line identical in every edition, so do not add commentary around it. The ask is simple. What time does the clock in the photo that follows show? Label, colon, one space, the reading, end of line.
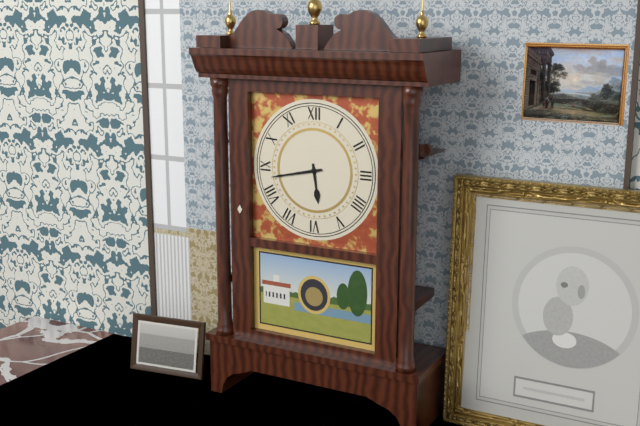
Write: 5:43
